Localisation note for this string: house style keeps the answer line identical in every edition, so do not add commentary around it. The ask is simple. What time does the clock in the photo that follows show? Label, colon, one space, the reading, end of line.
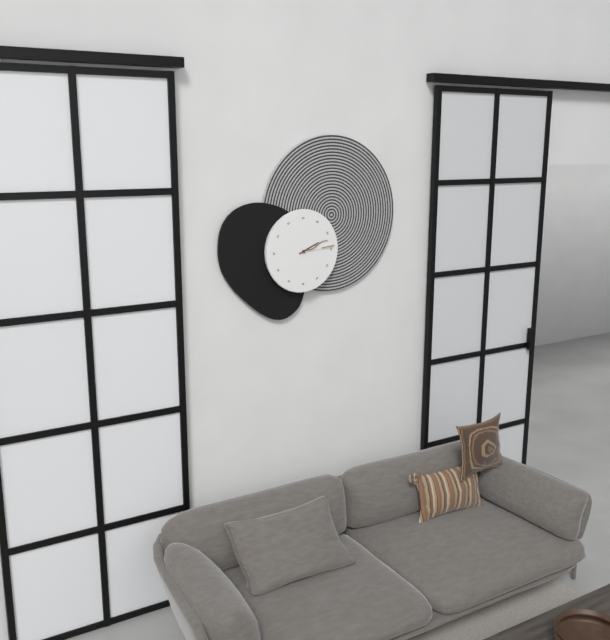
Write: 2:12
